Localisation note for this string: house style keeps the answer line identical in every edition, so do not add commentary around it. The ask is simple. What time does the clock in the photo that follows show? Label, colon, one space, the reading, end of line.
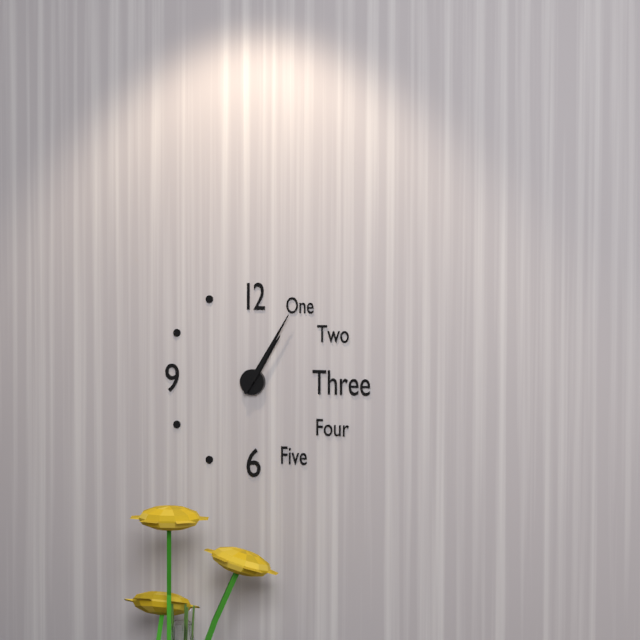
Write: 1:05
